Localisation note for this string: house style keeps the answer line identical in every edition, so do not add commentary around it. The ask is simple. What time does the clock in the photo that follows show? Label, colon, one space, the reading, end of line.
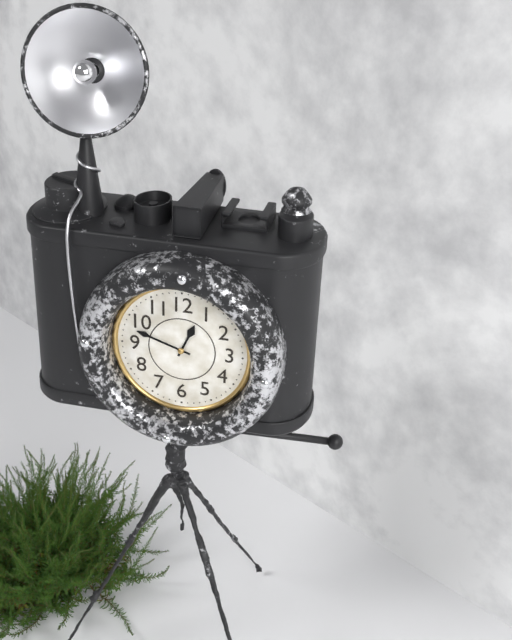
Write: 12:48
